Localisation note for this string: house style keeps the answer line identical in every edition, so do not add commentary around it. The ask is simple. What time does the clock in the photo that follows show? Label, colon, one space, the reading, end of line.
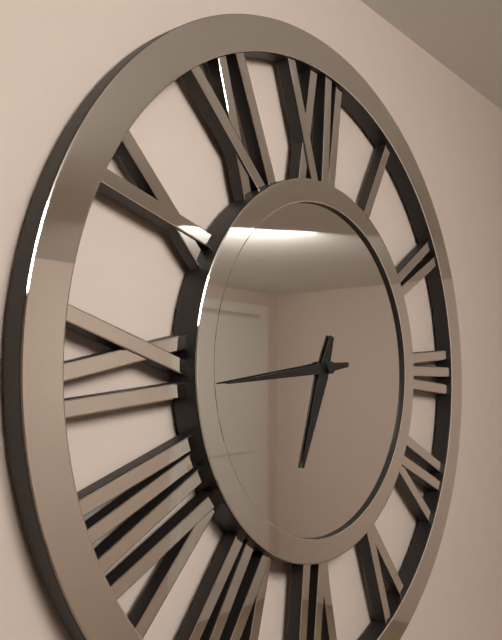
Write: 6:44
